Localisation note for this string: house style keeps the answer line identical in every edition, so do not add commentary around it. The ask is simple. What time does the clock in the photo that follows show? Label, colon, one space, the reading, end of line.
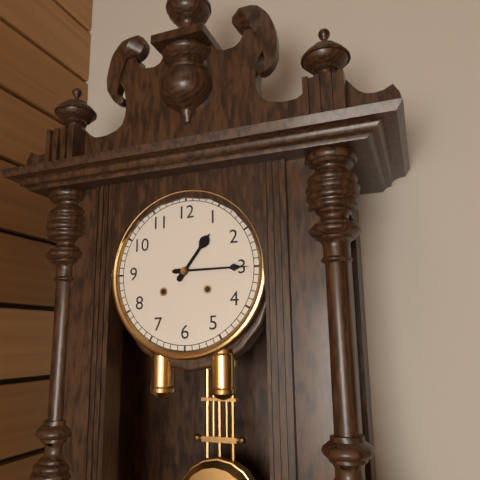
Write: 1:15
